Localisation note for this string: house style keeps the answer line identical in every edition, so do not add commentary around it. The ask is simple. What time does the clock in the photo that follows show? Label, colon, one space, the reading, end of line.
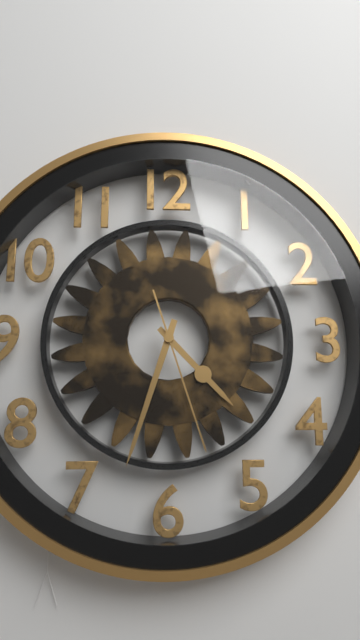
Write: 4:33:27
